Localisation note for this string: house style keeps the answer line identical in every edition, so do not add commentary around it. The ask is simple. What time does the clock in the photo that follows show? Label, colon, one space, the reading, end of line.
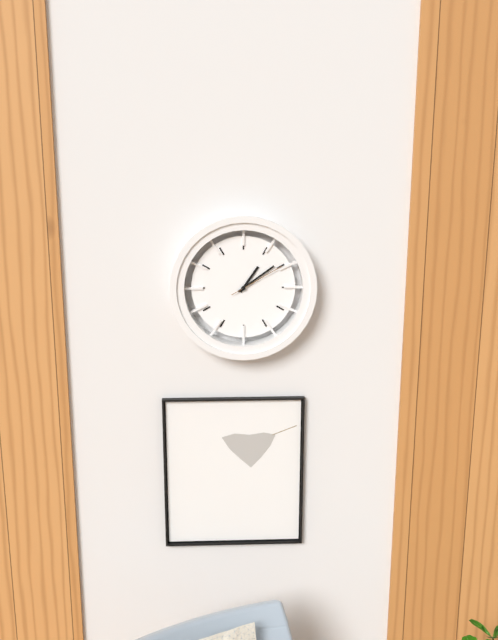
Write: 1:09:10
